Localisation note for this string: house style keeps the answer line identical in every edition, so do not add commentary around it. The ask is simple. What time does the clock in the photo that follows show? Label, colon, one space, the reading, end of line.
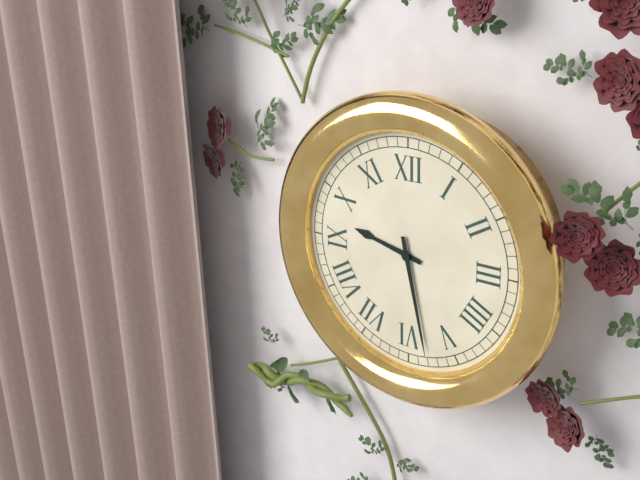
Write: 9:28
